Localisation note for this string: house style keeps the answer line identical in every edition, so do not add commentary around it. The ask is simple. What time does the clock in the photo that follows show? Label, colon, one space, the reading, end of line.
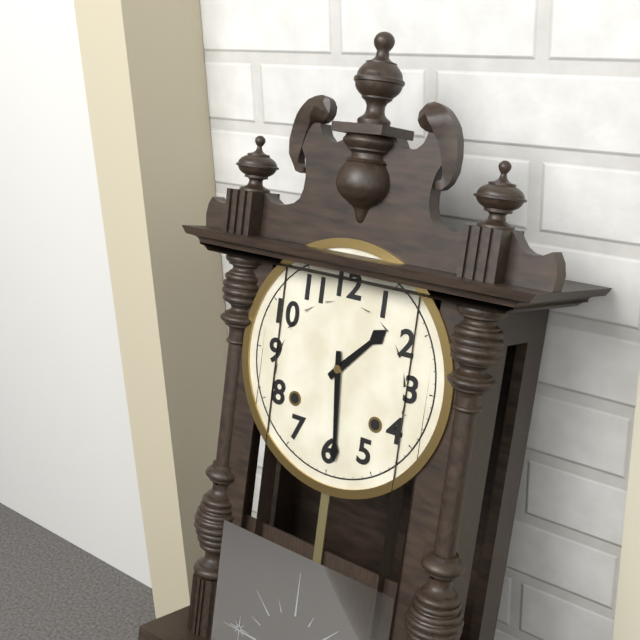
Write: 1:29
